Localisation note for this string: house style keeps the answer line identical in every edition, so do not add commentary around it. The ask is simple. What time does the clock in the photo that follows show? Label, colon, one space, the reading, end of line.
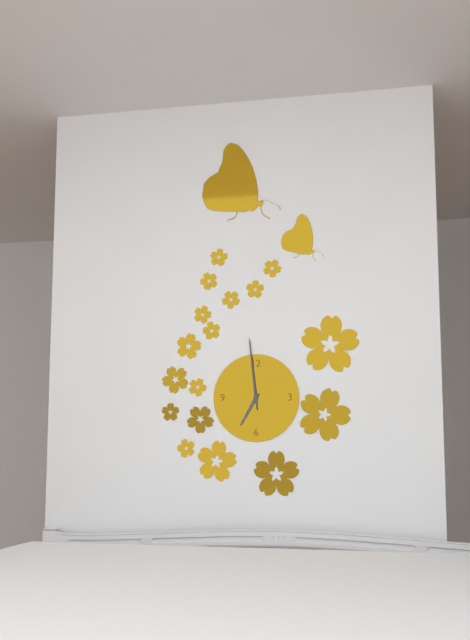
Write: 6:59:59
